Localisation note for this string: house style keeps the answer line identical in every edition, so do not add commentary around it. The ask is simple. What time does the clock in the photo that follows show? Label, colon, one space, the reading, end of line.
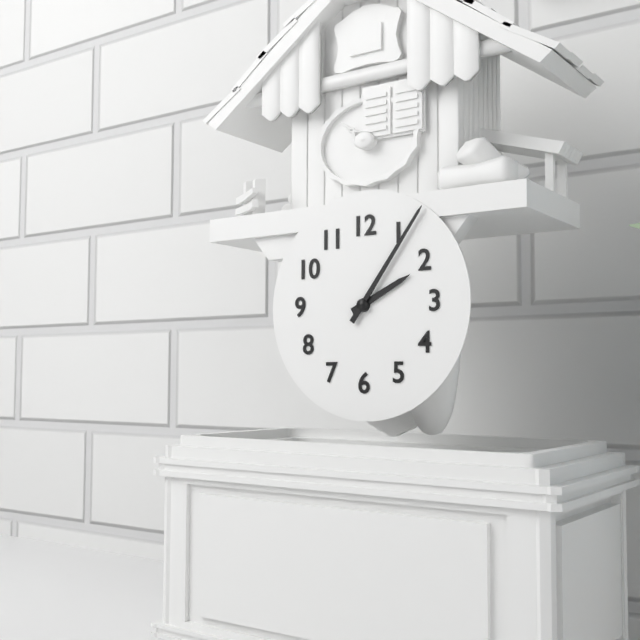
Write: 2:06
